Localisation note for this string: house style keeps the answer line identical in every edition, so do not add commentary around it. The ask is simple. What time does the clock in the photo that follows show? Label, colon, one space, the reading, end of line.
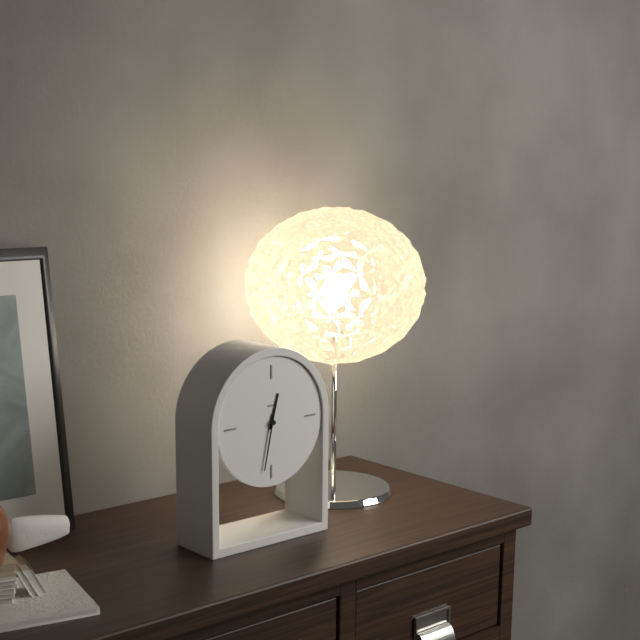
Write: 12:32
